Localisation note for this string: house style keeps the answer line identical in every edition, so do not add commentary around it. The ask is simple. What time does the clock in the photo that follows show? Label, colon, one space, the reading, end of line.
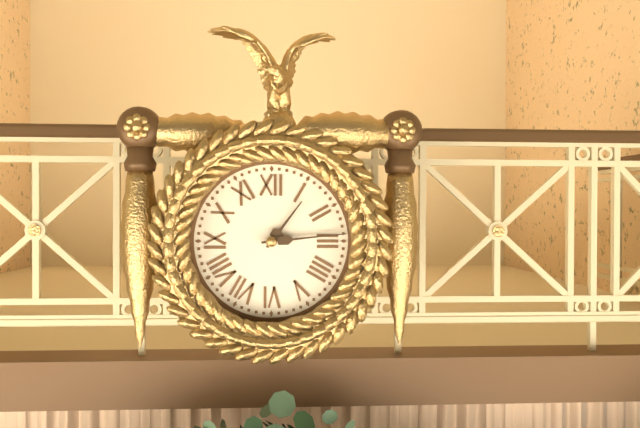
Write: 1:14
